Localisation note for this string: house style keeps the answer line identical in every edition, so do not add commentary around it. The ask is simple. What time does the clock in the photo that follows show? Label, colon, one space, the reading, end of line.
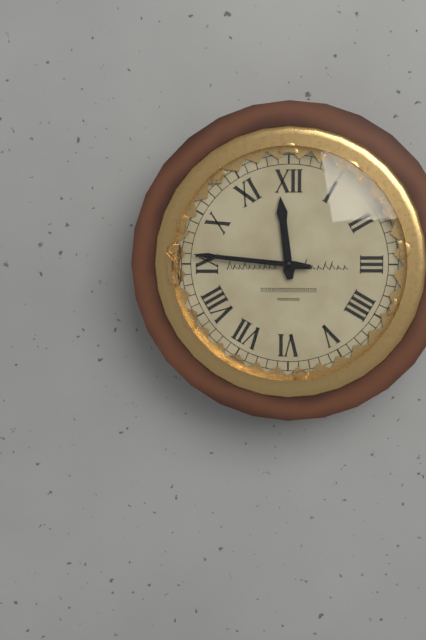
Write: 11:46
